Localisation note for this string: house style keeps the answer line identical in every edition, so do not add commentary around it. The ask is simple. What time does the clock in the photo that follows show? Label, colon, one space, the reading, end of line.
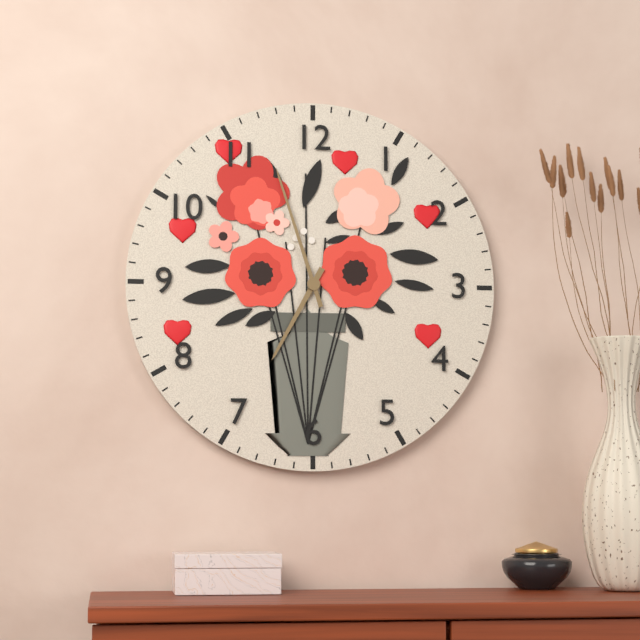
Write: 6:57
